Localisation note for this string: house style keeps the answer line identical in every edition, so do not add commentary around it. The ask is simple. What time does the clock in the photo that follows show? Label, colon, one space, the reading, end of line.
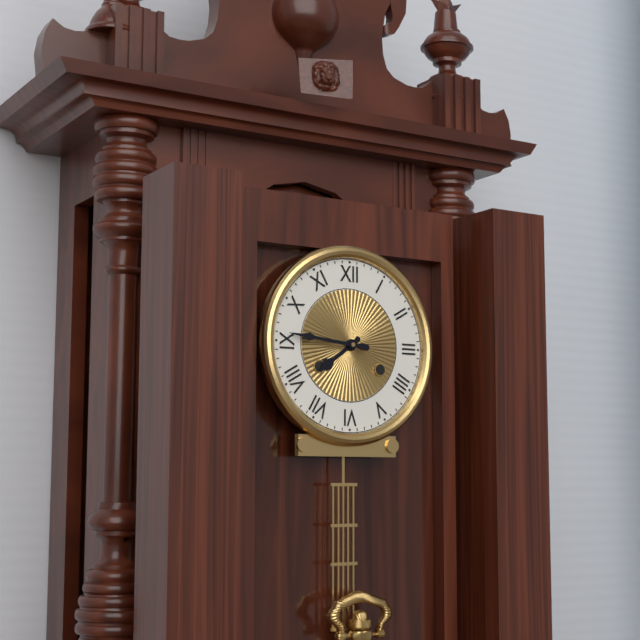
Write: 7:46
